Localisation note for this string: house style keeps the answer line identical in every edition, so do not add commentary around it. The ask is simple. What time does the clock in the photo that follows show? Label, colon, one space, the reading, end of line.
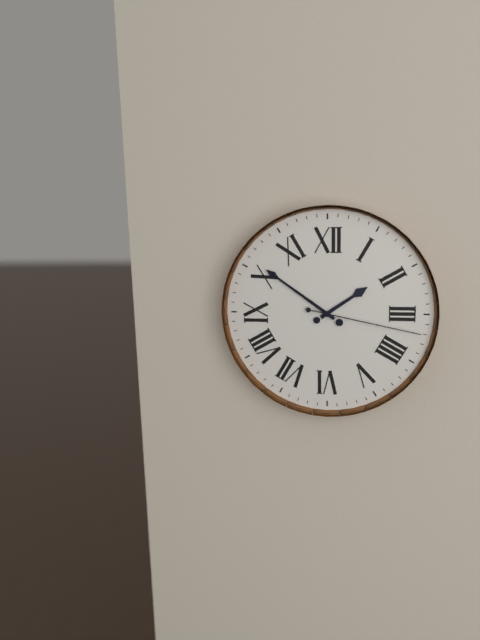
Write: 1:51:17
